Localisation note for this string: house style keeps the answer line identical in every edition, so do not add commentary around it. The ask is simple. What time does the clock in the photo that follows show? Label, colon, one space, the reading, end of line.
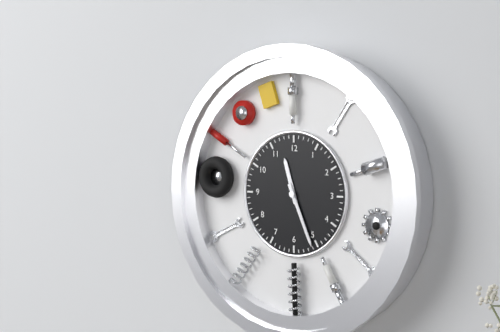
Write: 11:26
